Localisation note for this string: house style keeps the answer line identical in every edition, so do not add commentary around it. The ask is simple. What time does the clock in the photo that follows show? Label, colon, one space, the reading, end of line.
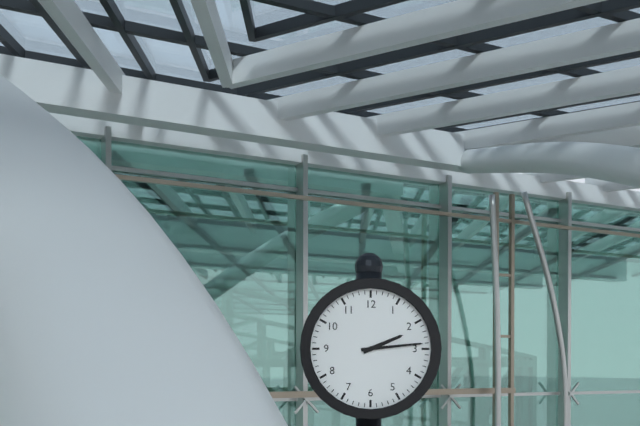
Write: 2:14
